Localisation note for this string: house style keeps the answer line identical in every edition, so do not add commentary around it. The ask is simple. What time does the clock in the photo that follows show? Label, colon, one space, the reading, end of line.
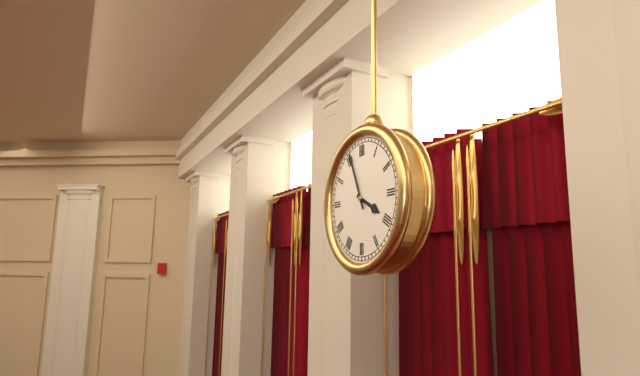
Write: 3:56
